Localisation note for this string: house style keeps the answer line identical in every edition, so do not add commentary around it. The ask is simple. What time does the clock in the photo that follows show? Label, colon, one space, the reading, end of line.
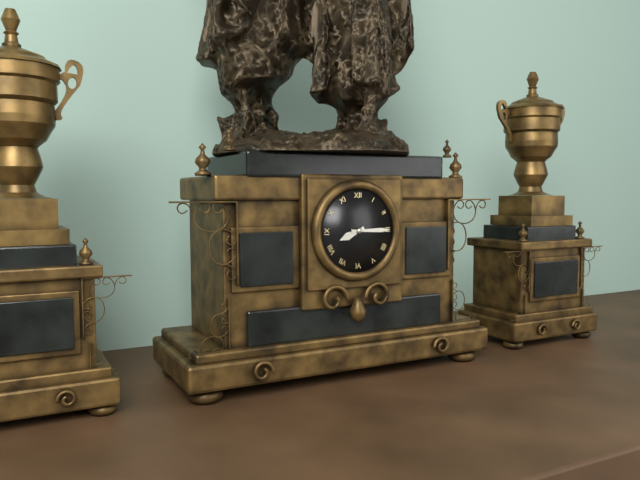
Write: 8:15
